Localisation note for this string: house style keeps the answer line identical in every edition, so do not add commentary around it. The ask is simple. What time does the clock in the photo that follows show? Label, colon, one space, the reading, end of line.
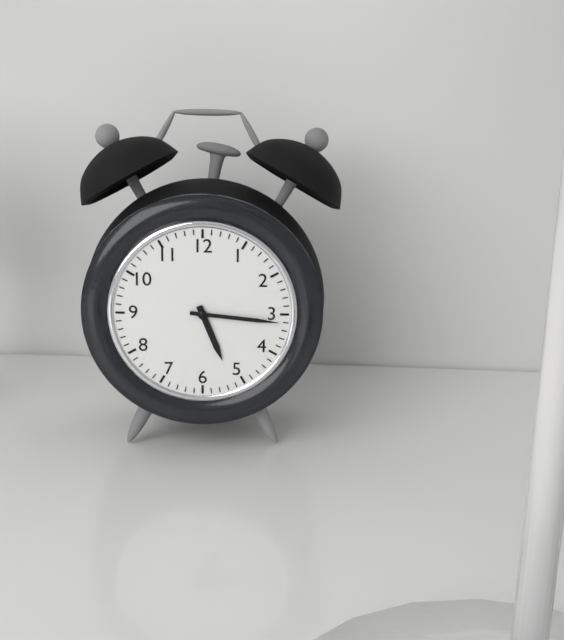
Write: 5:16
